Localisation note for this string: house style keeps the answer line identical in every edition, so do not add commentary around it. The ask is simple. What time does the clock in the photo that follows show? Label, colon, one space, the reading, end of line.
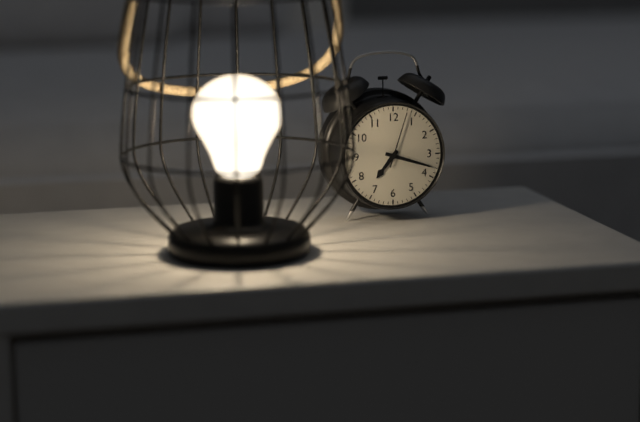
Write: 7:18:03
